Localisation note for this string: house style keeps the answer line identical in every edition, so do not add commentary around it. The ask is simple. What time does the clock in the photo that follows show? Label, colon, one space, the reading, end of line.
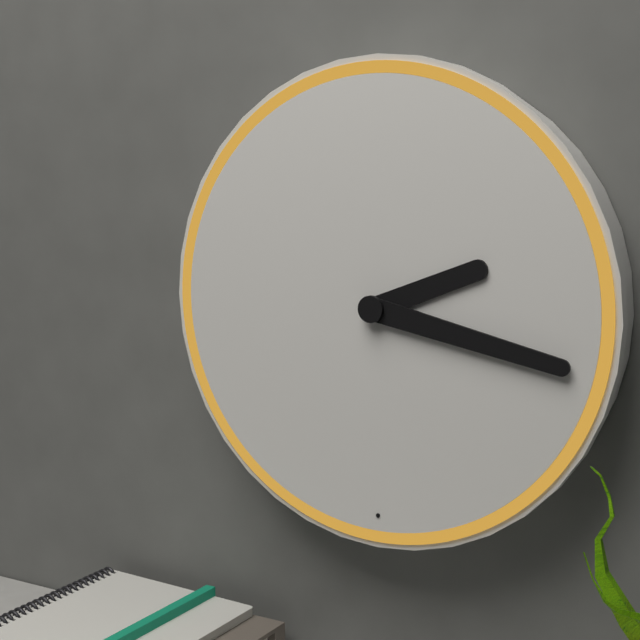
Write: 2:17
